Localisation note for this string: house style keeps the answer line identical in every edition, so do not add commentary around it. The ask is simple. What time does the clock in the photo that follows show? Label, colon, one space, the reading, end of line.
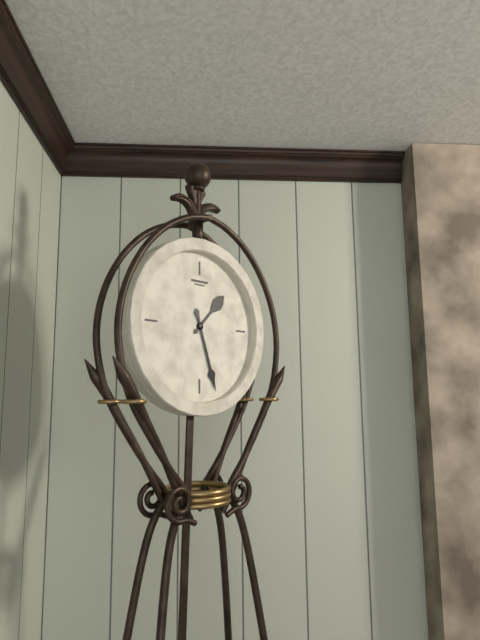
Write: 1:27
